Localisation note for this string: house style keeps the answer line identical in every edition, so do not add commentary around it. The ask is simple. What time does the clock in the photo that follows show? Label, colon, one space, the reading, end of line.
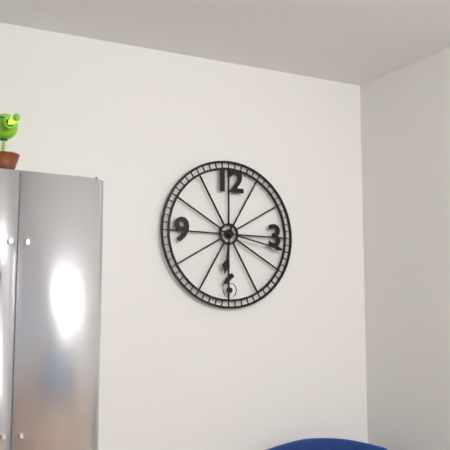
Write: 6:17
